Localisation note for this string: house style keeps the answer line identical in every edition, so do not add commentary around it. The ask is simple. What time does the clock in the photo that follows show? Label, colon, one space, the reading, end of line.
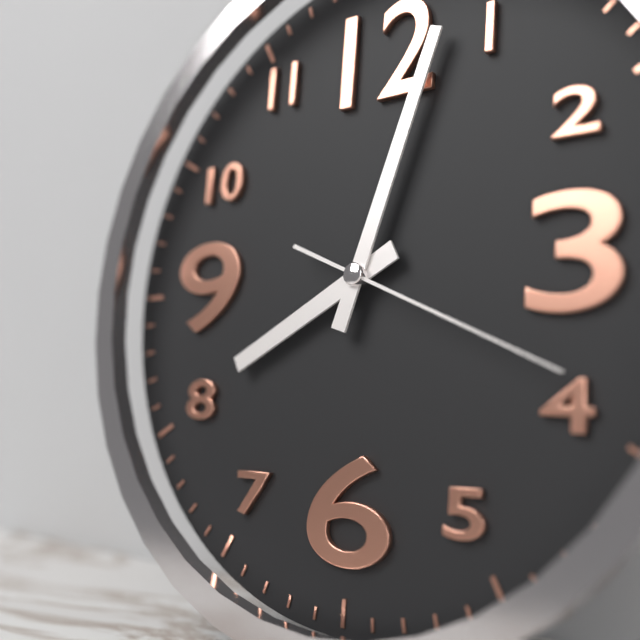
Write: 8:03:19
